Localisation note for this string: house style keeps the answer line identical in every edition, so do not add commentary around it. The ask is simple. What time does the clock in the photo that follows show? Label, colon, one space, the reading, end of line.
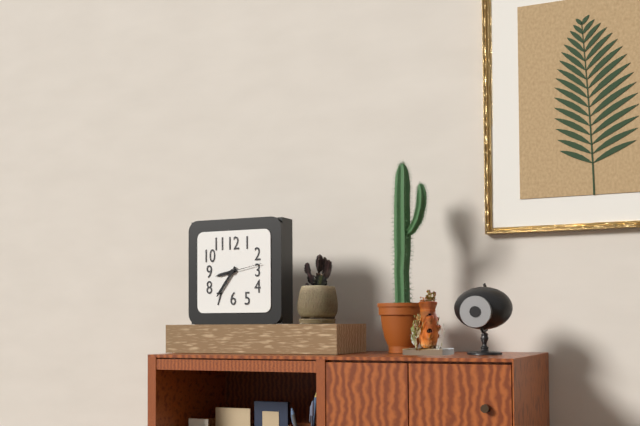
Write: 8:36
